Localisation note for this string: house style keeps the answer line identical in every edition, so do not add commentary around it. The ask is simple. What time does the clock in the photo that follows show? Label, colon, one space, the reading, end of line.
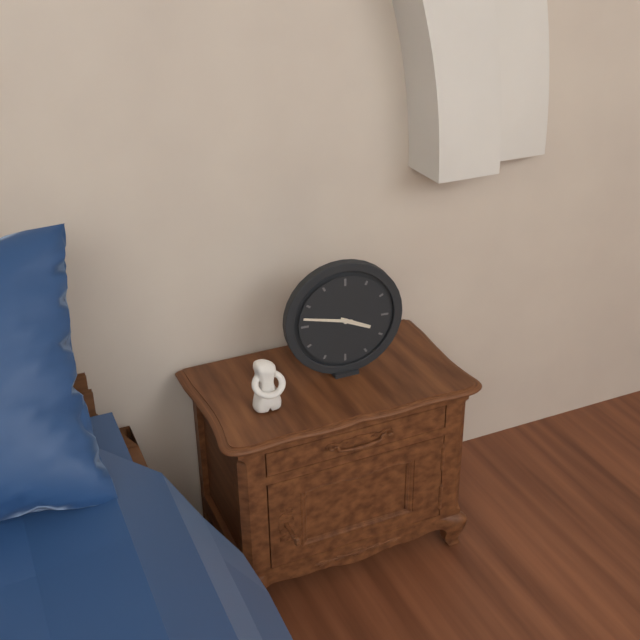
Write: 3:47
